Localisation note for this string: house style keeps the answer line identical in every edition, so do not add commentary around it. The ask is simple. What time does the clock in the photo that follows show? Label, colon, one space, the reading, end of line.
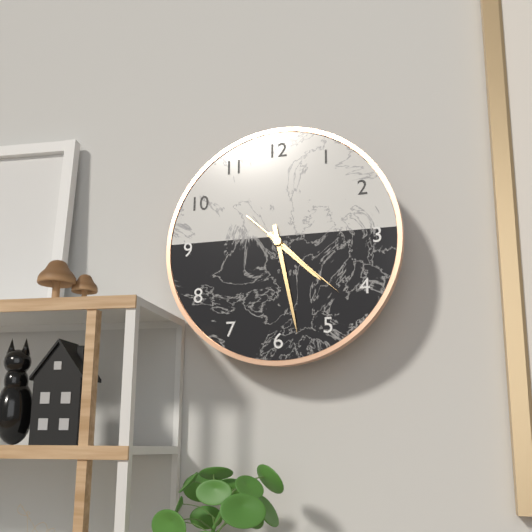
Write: 4:28:22
